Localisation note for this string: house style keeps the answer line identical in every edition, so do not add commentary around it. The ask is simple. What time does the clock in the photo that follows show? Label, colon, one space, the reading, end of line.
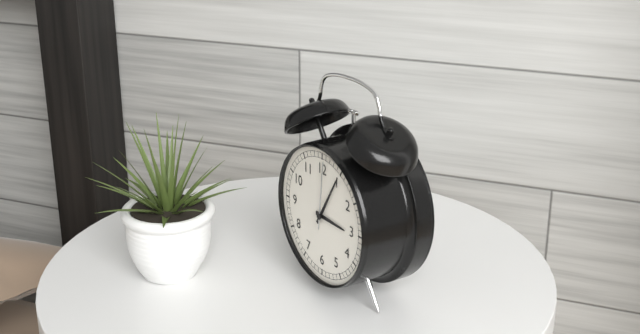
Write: 3:05:01
